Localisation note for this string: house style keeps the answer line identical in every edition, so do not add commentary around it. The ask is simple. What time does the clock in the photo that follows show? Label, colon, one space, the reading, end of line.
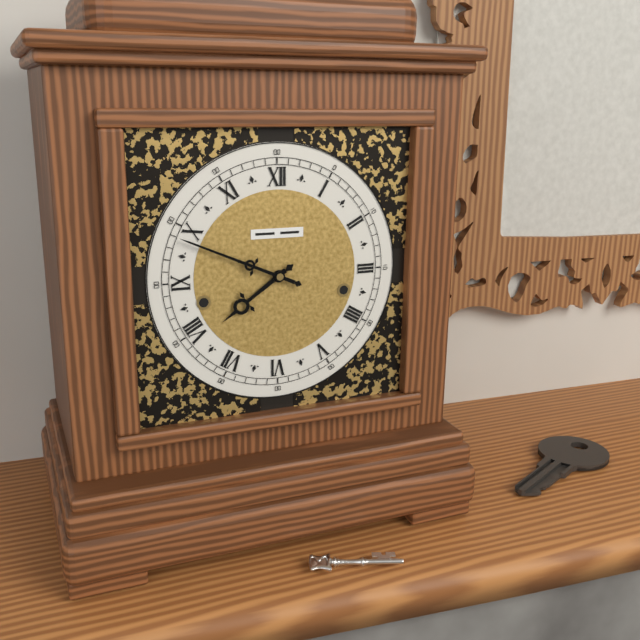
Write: 7:49
